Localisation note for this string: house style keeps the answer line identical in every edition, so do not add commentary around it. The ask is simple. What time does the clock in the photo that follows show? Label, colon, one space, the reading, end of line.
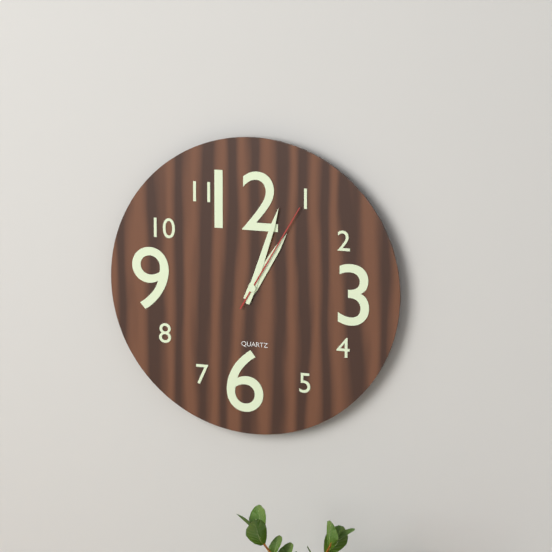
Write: 1:03:05
